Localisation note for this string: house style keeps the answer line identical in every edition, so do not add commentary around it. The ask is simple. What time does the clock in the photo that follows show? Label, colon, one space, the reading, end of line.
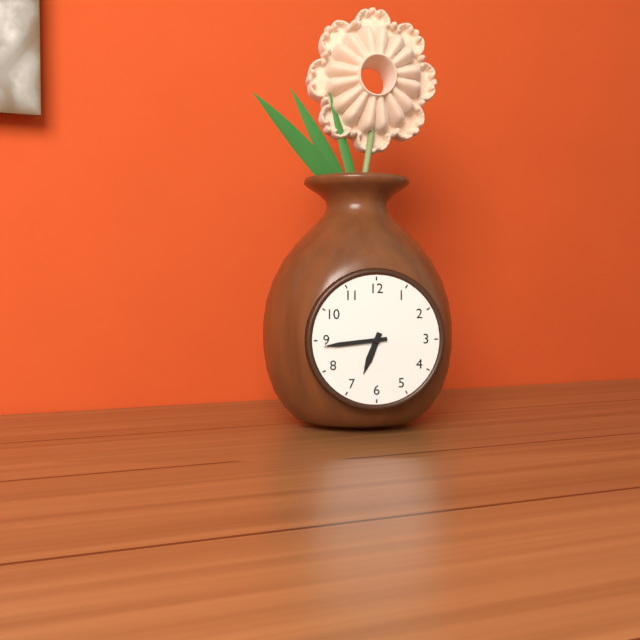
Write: 6:44
